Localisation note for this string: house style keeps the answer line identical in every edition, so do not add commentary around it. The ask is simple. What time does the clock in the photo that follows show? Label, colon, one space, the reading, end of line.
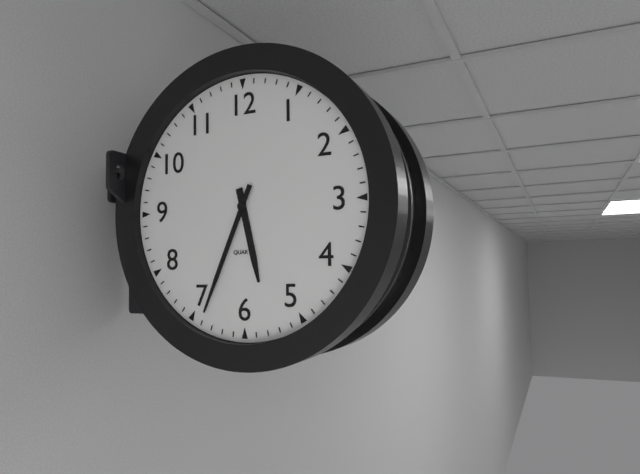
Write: 5:34
